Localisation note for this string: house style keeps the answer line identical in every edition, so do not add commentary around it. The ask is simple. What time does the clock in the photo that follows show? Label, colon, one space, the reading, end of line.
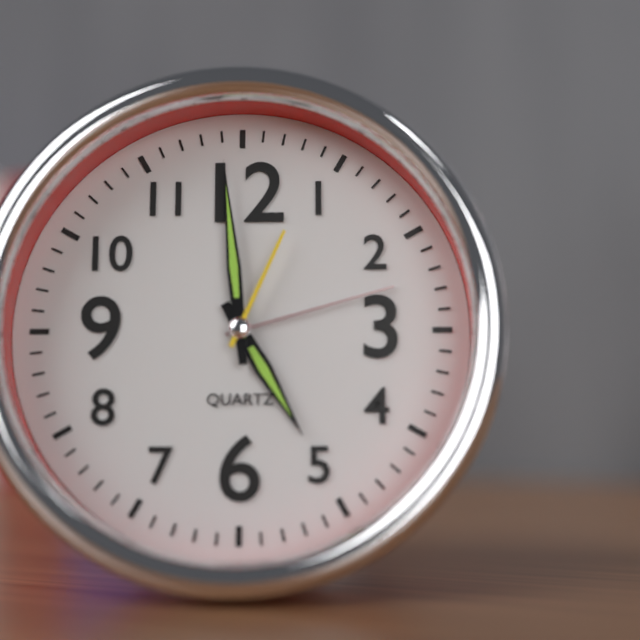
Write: 4:59:04
